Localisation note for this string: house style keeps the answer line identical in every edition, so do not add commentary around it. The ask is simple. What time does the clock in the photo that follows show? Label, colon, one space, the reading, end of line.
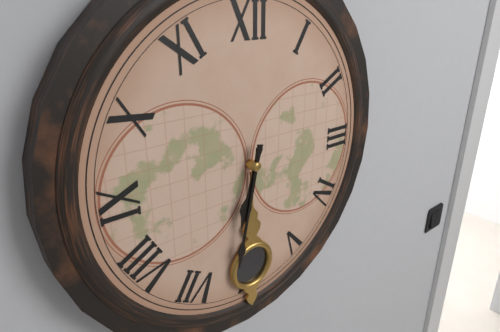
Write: 6:32
